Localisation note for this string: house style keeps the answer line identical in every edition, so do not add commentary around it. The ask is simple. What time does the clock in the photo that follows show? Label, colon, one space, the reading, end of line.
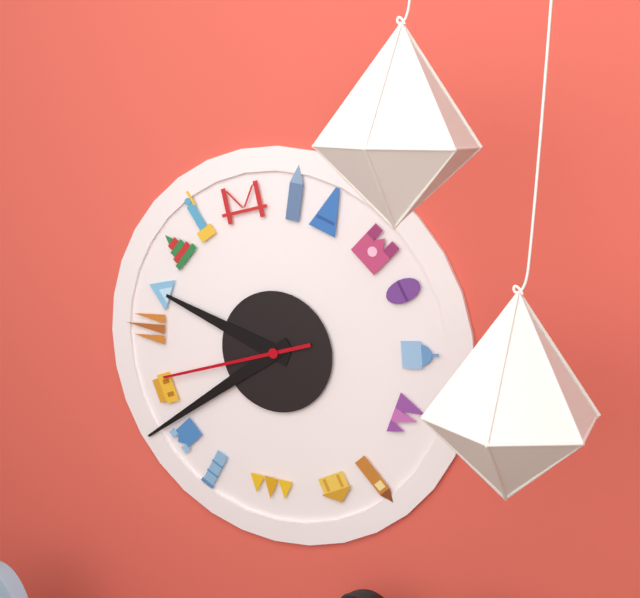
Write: 9:39:42
